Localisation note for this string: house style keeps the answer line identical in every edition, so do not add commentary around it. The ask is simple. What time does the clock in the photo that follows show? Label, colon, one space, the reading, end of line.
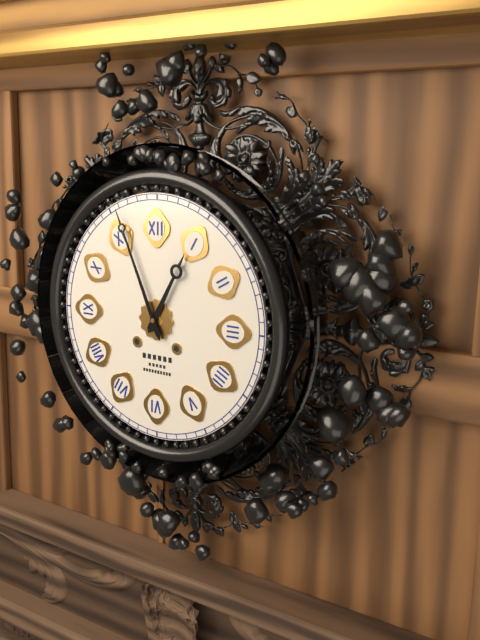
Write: 12:56
